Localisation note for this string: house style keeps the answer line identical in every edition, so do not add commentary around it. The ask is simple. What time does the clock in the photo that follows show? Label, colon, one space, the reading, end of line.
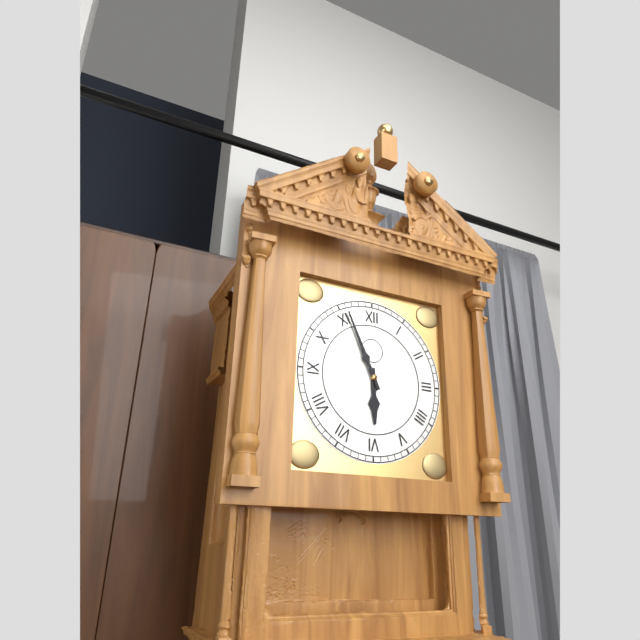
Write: 5:56
